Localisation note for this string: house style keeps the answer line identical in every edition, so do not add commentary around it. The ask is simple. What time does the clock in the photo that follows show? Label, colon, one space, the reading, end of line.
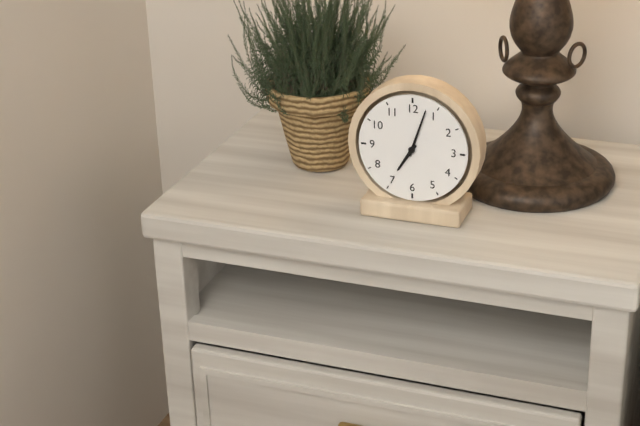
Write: 7:03
